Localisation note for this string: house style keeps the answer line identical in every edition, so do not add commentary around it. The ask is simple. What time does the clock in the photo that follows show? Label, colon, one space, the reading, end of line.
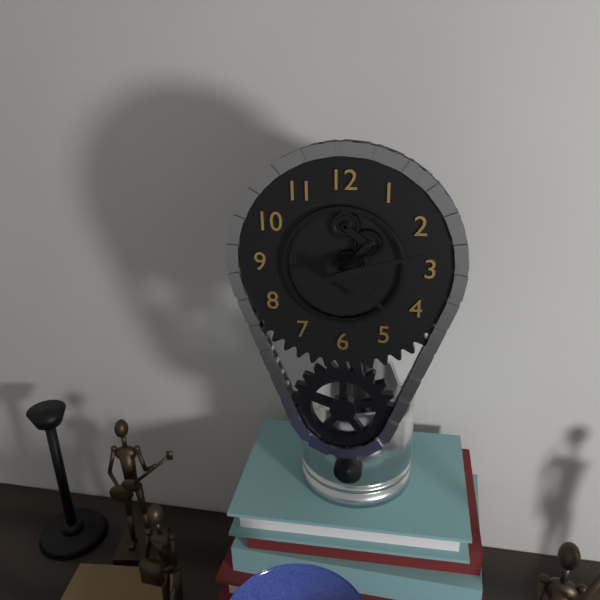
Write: 4:12
